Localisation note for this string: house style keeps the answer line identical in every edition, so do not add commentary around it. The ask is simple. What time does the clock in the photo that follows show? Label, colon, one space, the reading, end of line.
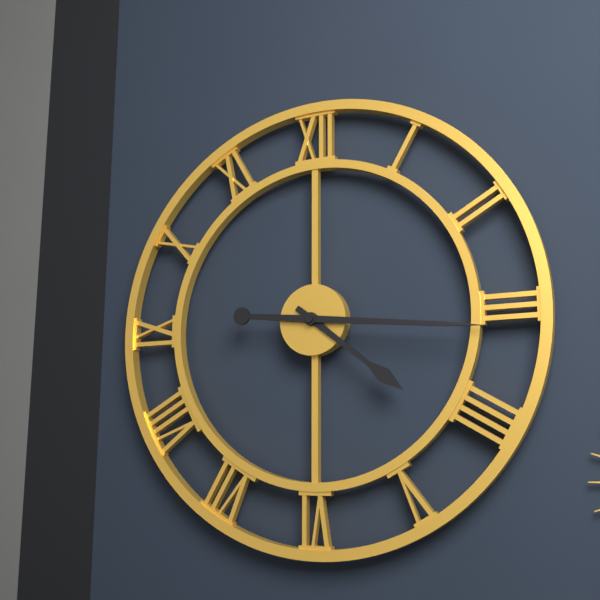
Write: 4:16
